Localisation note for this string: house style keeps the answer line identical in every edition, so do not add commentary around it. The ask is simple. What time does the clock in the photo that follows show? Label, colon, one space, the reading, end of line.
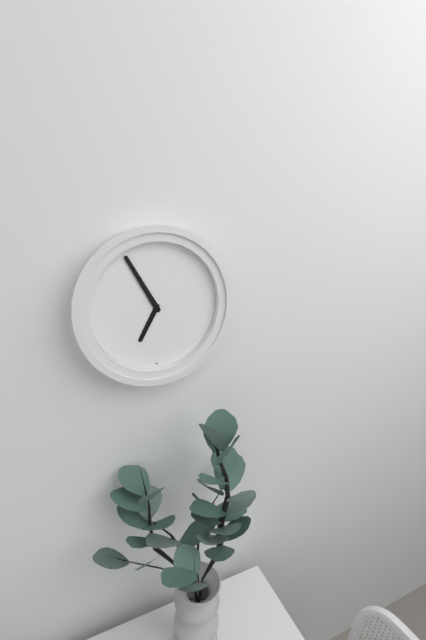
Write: 6:55
